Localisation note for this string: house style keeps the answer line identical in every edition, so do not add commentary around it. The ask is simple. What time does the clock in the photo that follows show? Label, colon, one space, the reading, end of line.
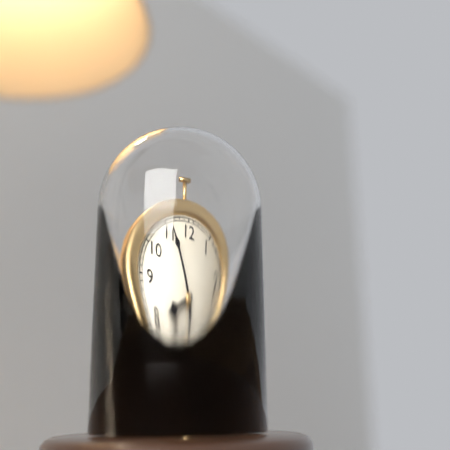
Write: 7:56
